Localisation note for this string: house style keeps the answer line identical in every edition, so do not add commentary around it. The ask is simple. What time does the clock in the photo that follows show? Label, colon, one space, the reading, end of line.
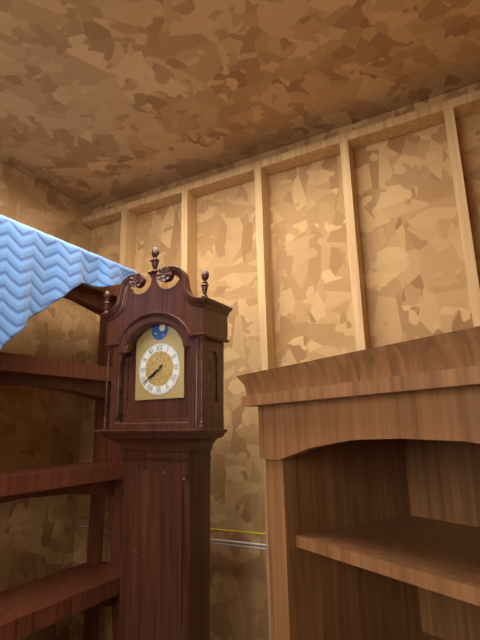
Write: 7:39
